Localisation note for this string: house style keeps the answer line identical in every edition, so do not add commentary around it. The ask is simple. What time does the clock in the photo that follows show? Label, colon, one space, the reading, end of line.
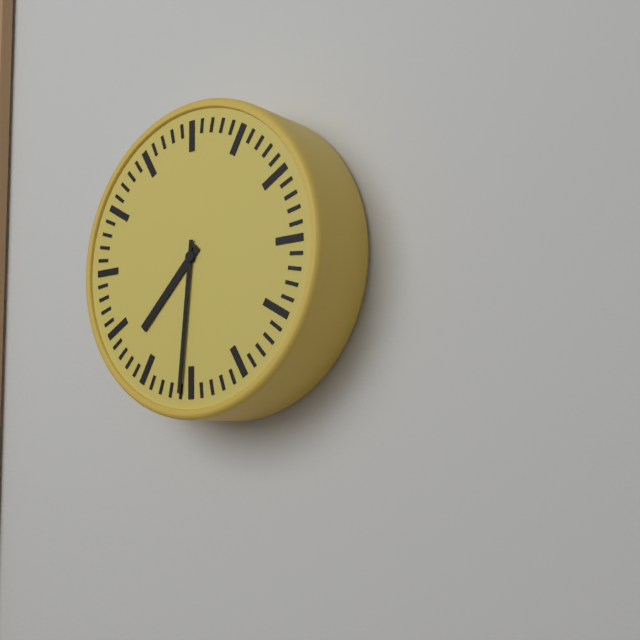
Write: 7:31
